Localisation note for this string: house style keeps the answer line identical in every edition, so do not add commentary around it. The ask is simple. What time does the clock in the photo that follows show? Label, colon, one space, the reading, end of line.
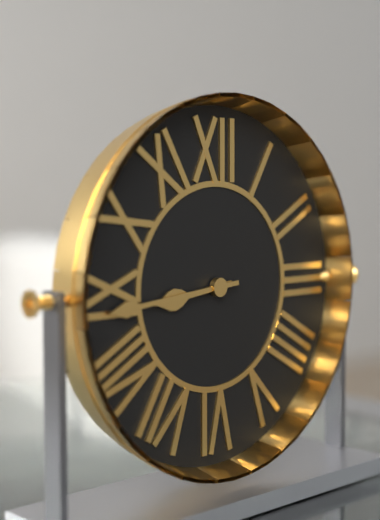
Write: 8:44
